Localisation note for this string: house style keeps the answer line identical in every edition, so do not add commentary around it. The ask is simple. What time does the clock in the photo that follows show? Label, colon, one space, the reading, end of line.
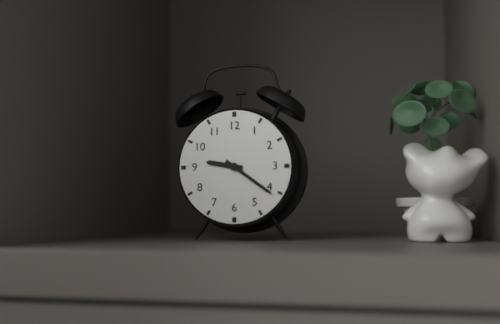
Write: 9:21
